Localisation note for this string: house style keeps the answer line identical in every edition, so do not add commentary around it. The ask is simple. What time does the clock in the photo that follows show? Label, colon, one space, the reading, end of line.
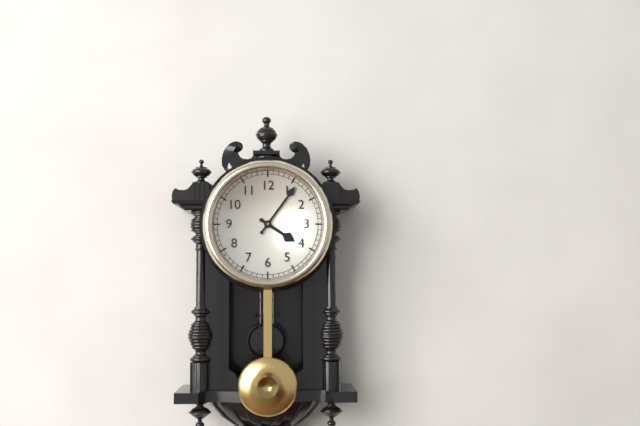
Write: 4:06
